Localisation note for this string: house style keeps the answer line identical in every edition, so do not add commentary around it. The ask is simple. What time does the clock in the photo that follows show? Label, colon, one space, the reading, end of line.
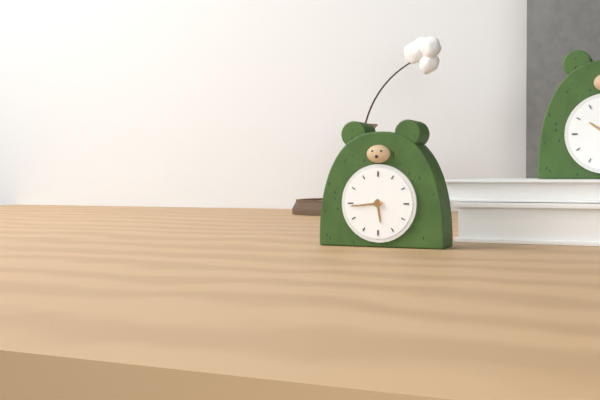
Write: 5:44
